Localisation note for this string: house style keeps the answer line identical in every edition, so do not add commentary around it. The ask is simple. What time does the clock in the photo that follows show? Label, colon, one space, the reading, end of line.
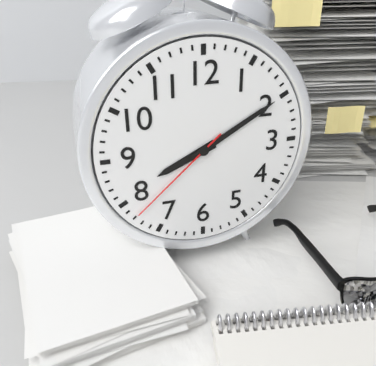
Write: 8:10:38
